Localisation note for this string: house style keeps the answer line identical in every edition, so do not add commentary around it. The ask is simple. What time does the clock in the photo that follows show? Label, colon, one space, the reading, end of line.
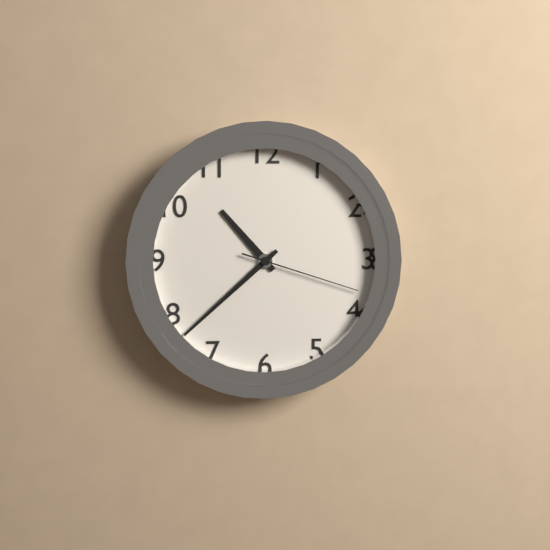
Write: 10:38:18
